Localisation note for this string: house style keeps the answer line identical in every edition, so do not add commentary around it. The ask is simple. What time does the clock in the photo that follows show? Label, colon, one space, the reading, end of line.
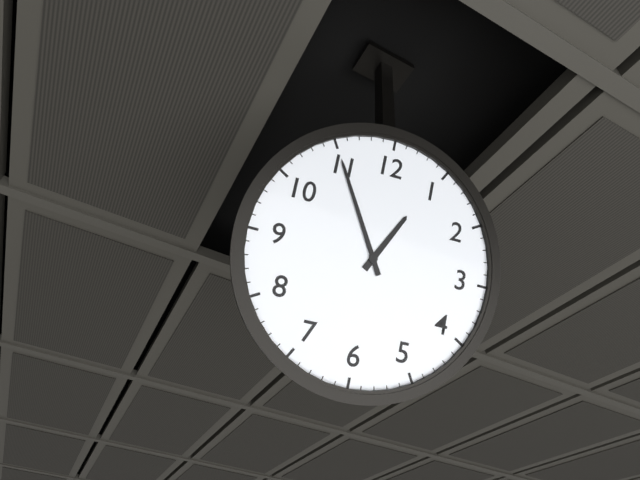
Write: 12:55
